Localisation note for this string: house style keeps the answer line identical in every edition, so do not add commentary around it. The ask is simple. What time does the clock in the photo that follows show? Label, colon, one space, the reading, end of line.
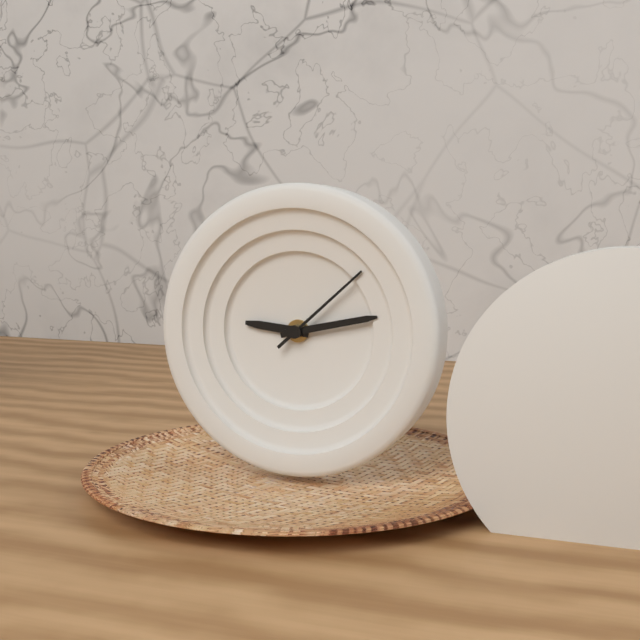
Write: 9:13:08
